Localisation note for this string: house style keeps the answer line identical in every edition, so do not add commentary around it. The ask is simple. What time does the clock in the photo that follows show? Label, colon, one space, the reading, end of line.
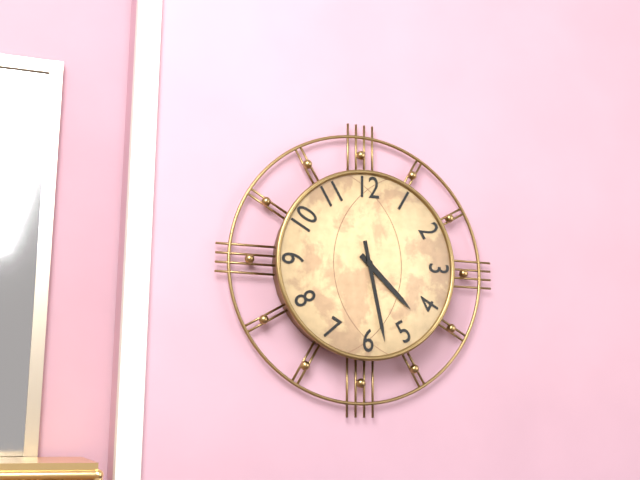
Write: 4:28
